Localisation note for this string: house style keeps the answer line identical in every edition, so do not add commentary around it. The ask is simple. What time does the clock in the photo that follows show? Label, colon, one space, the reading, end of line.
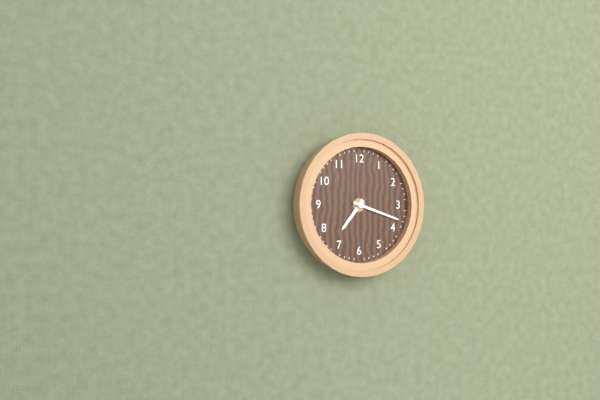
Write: 7:18
